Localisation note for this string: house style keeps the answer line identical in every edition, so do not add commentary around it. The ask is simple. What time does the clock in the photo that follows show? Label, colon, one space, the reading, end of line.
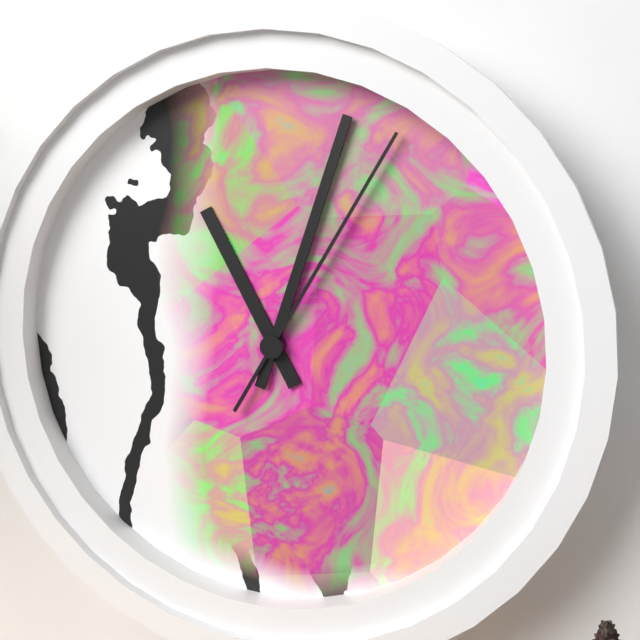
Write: 11:03:05
